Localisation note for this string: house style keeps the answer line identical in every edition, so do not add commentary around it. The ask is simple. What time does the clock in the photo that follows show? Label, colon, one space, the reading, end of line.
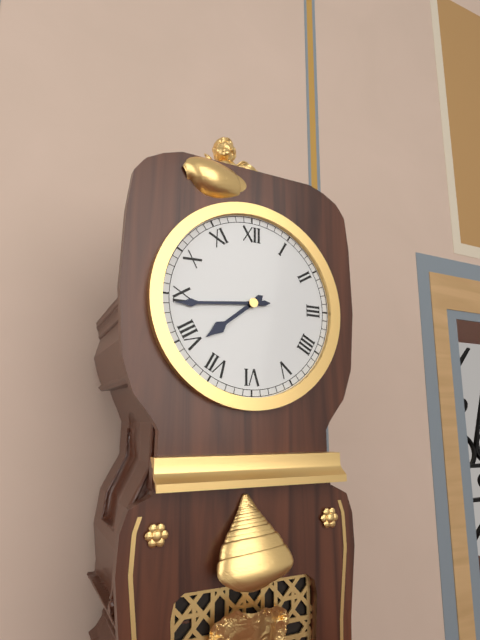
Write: 7:44
